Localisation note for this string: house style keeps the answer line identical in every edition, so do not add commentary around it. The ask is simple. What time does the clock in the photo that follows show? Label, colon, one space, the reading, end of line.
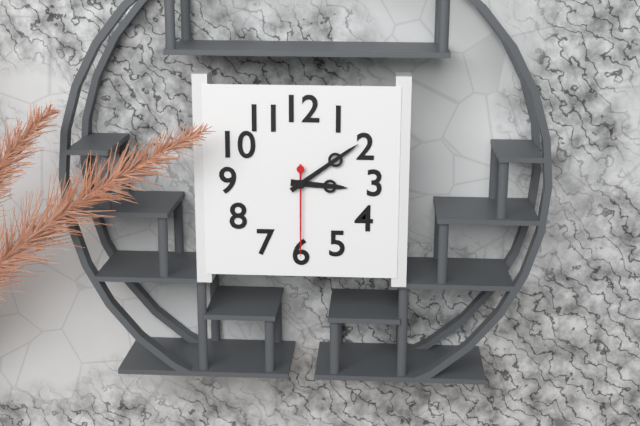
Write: 3:09:30
